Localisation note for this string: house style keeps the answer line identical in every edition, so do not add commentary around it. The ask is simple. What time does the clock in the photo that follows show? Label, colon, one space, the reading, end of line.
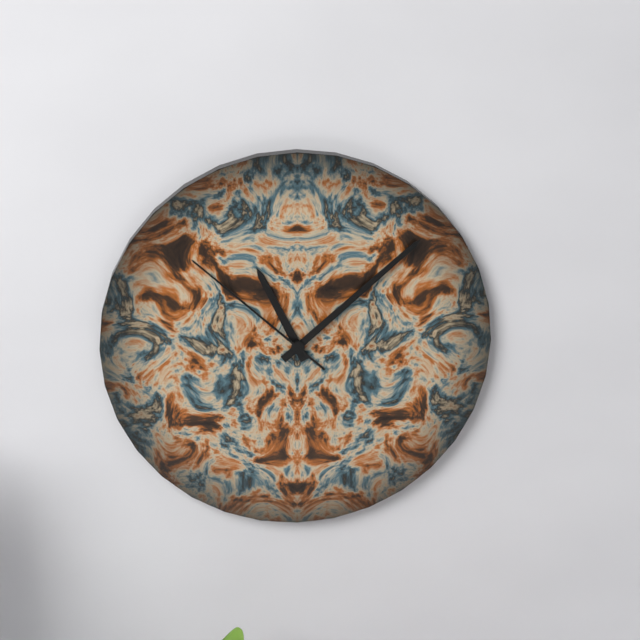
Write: 11:08:52
